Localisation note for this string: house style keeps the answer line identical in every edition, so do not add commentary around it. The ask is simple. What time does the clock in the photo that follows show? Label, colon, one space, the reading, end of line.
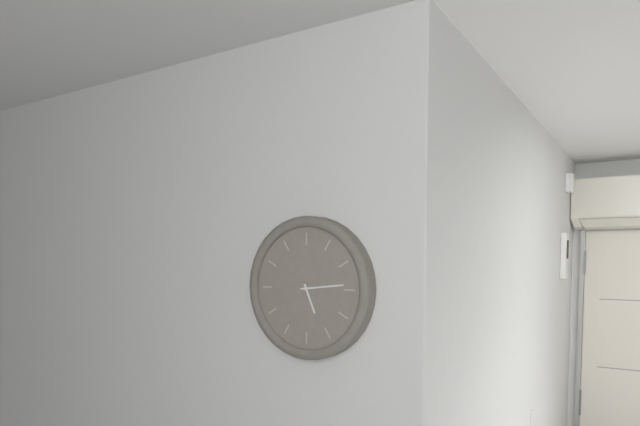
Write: 5:14
